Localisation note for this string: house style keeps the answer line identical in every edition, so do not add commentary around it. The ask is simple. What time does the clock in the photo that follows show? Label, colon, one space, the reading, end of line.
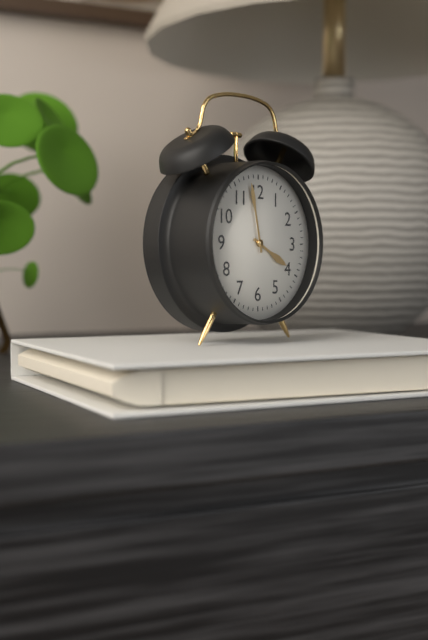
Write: 3:58
